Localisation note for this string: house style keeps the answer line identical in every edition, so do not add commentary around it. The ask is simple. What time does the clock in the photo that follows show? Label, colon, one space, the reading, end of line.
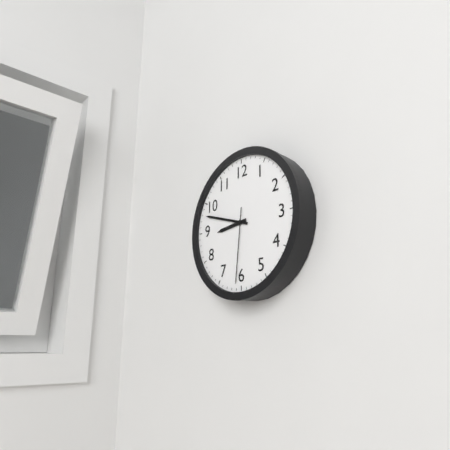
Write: 8:48:31
